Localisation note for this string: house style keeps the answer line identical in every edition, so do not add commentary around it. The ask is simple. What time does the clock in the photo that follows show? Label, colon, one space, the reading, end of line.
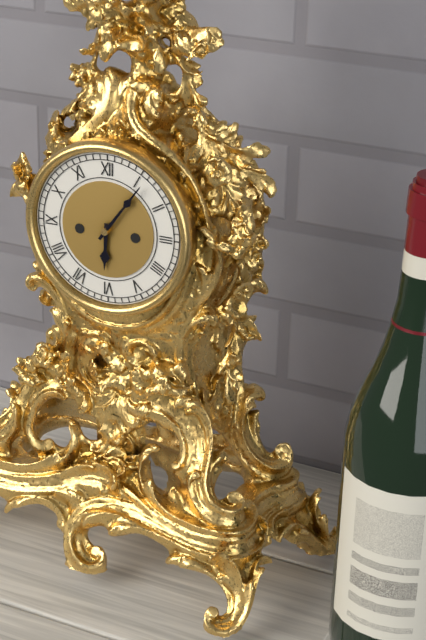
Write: 6:06
